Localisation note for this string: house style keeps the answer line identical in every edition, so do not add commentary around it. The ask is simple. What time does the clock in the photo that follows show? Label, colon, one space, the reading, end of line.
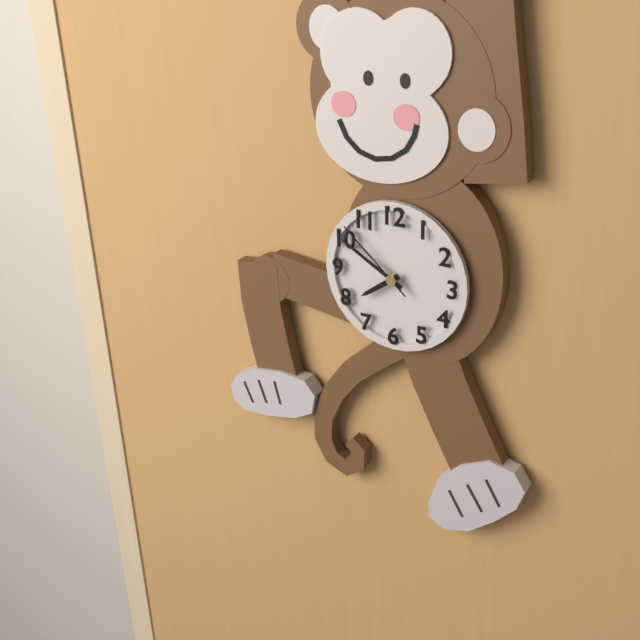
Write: 7:50:52
